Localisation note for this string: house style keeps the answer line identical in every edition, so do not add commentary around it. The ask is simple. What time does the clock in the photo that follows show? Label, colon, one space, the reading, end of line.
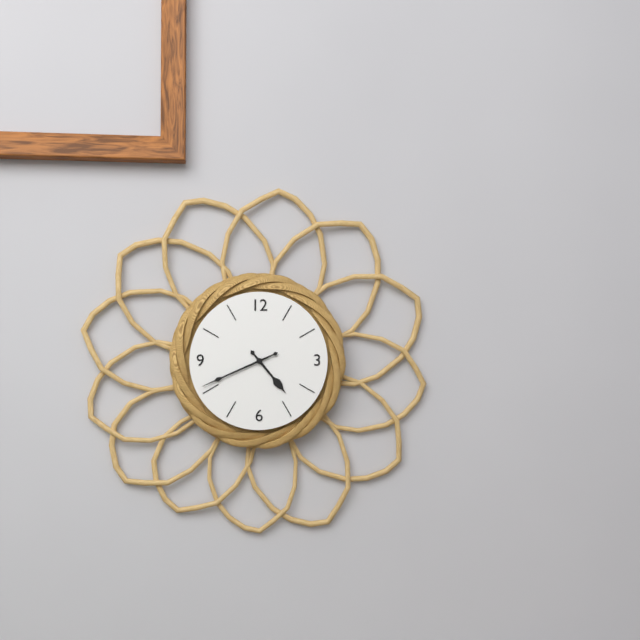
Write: 4:41
